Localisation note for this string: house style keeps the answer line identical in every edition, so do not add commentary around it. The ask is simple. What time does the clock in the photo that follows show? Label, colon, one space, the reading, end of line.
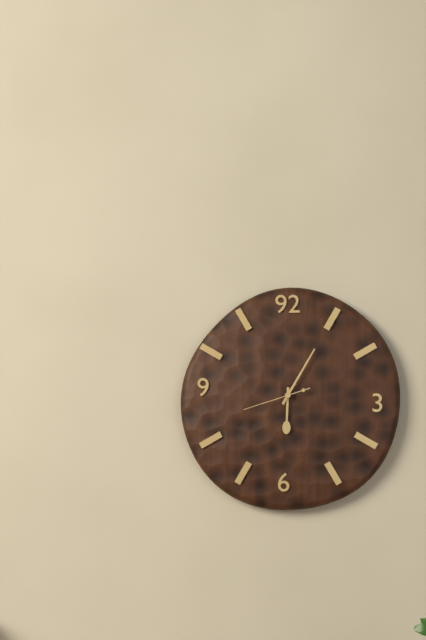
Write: 6:05:42
